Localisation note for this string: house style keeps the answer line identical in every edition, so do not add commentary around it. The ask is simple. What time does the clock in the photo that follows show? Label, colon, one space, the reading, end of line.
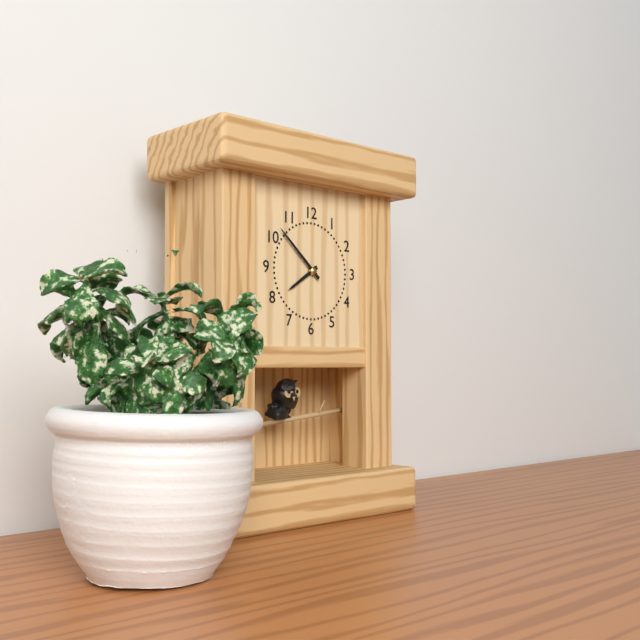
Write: 7:52
